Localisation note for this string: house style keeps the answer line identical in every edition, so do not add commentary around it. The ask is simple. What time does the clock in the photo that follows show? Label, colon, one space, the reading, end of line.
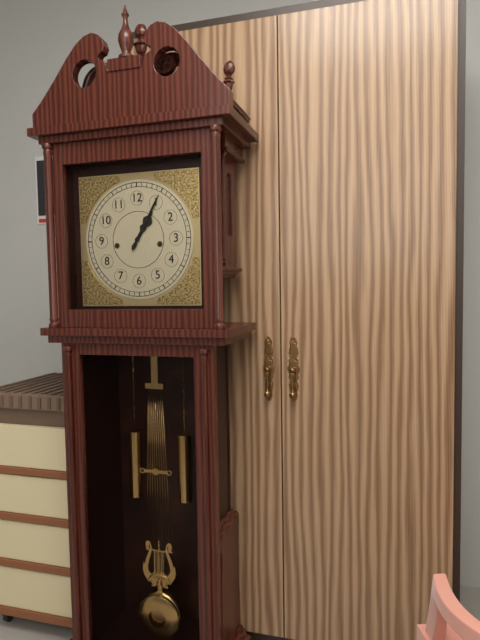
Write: 1:05
